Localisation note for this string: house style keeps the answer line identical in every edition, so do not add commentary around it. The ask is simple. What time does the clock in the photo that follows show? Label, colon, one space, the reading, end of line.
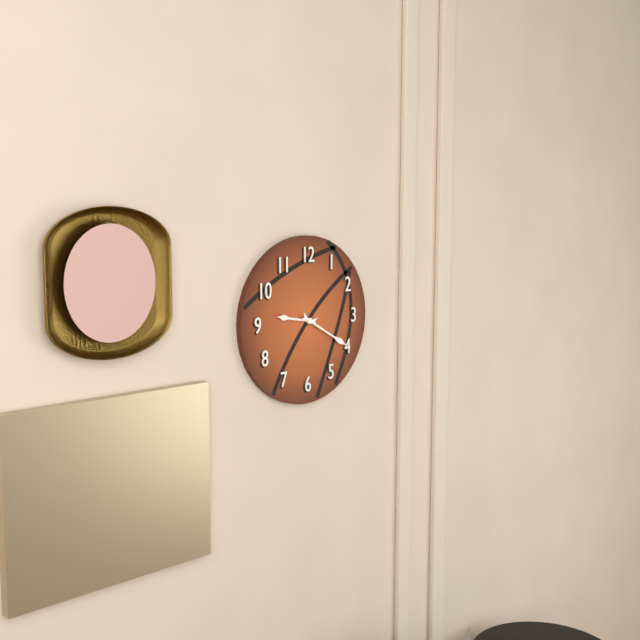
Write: 9:20
